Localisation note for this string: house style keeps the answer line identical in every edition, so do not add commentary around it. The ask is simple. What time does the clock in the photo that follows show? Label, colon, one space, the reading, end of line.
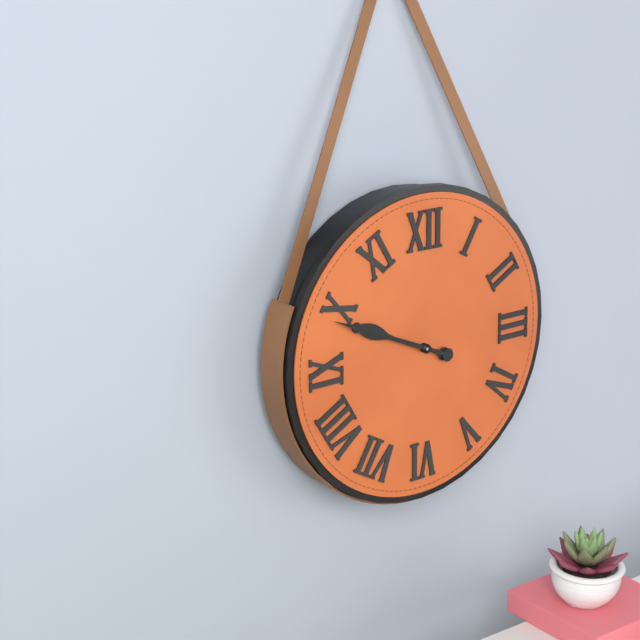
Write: 9:49
